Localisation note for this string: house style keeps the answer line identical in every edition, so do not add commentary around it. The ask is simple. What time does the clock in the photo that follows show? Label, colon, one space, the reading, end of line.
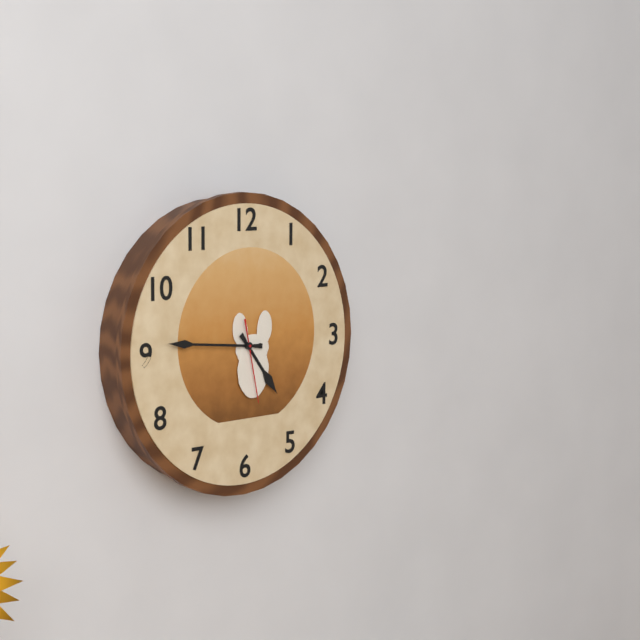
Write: 4:46:28
